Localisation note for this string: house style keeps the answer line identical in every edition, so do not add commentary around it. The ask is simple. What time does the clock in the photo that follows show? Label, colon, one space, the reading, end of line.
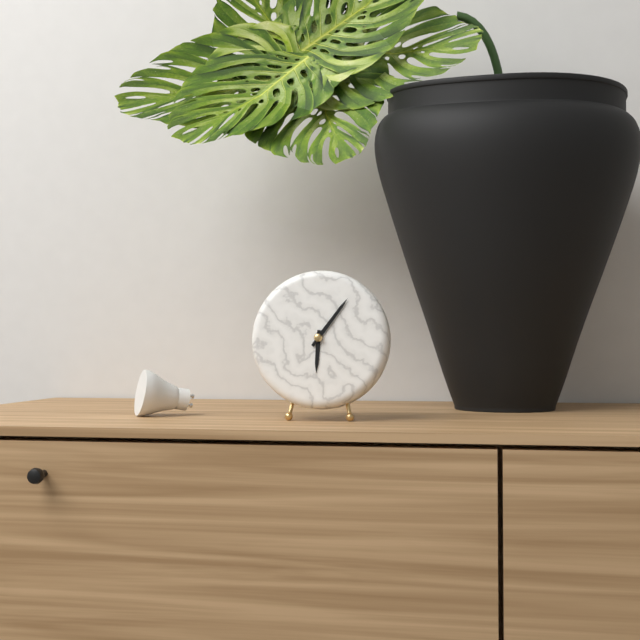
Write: 6:06
